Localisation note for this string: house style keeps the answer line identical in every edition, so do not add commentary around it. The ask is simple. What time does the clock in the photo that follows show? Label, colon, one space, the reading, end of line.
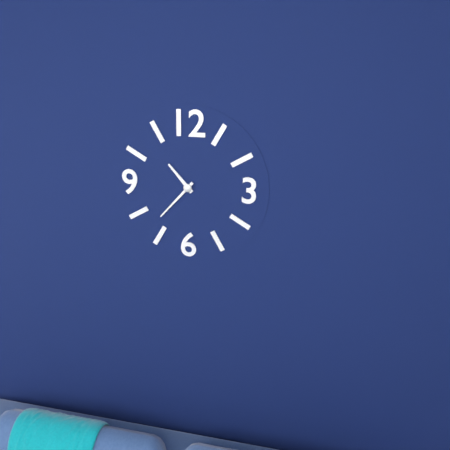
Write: 10:37
